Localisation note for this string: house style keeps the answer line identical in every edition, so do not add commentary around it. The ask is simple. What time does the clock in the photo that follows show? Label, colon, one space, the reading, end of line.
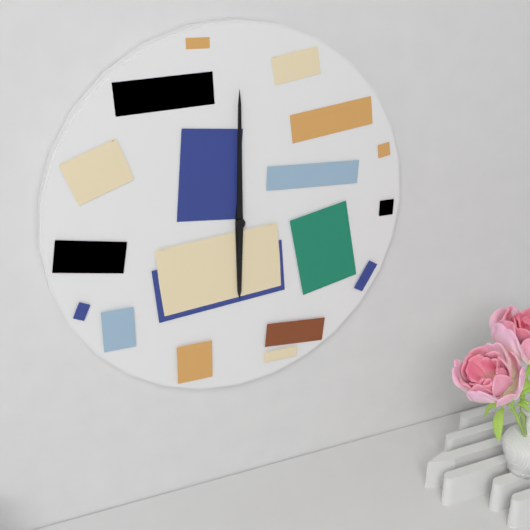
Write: 6:00
